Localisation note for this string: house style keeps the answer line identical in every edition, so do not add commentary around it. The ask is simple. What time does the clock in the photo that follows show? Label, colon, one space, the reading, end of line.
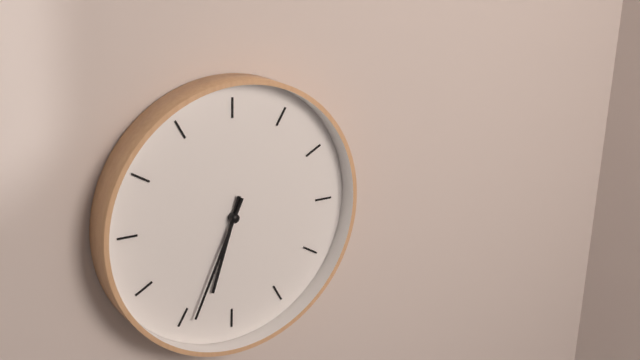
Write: 6:34
